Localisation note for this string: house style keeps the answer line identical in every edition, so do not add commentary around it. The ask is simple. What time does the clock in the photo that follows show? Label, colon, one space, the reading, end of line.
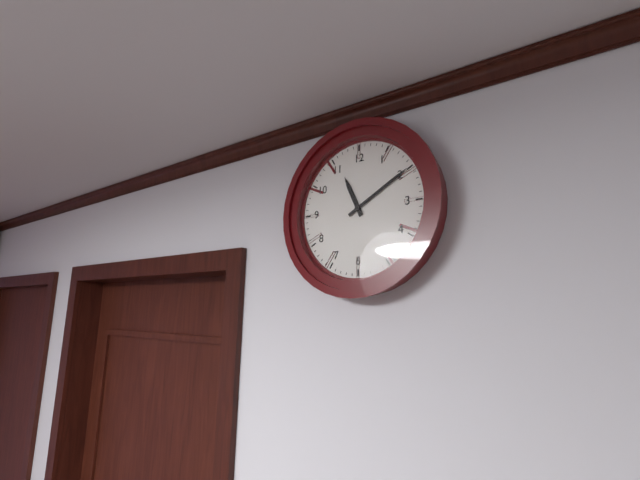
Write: 11:10
